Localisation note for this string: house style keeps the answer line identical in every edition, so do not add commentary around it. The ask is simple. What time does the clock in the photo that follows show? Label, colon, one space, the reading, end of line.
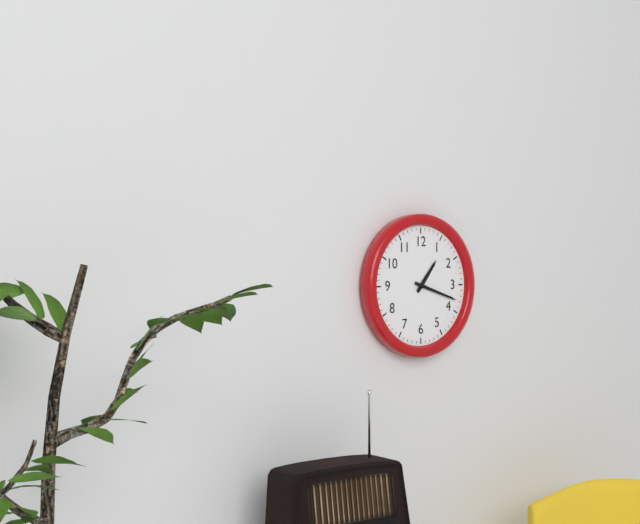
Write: 1:18
